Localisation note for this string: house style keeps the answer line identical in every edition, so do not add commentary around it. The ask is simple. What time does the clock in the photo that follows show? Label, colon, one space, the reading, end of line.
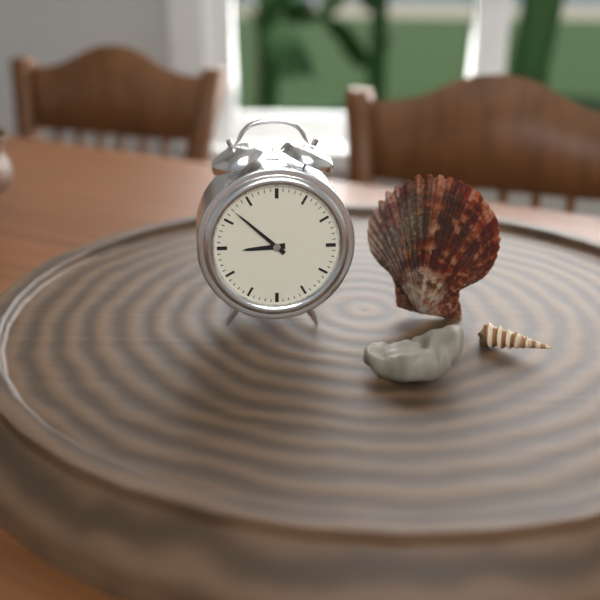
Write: 8:52
